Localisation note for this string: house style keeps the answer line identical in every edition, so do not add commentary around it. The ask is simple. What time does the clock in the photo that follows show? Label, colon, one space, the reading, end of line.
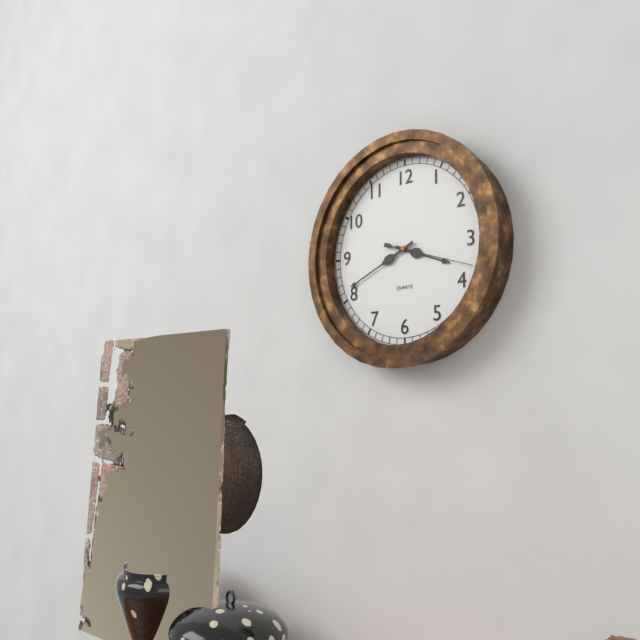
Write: 3:41:18
